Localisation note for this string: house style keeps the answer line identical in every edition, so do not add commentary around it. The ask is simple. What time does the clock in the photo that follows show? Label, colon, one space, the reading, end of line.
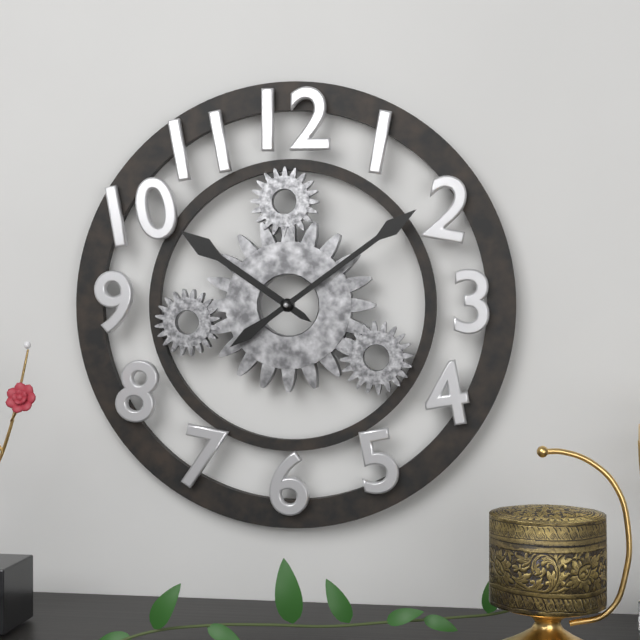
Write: 10:09
